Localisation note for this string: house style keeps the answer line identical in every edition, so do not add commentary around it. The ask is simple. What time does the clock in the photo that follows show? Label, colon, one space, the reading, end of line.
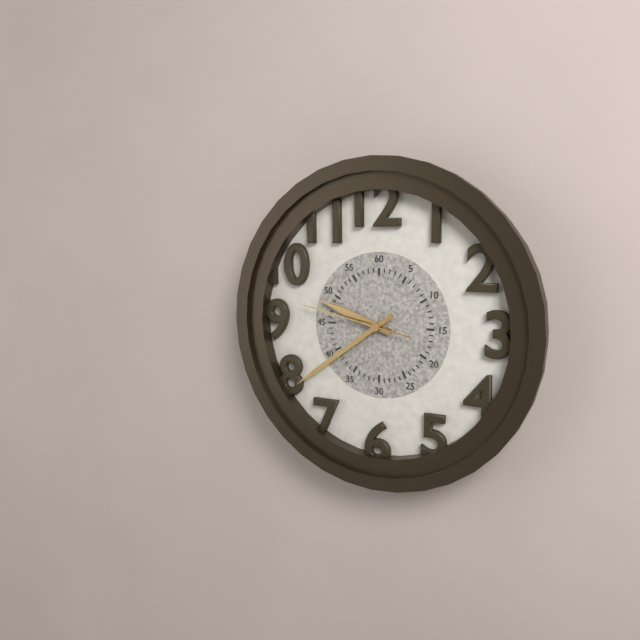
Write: 9:39:47
